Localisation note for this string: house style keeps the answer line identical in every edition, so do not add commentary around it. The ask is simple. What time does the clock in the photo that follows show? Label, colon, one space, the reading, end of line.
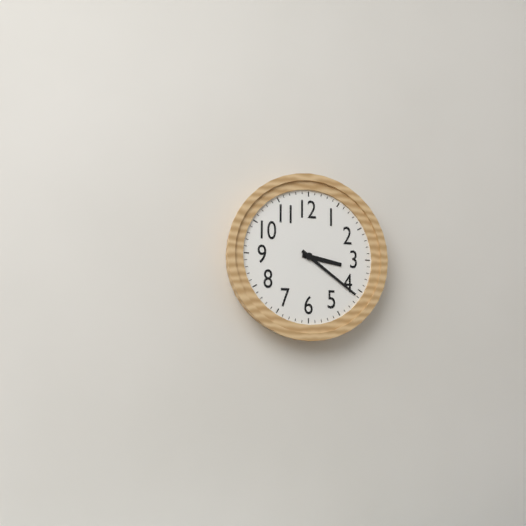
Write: 3:21
